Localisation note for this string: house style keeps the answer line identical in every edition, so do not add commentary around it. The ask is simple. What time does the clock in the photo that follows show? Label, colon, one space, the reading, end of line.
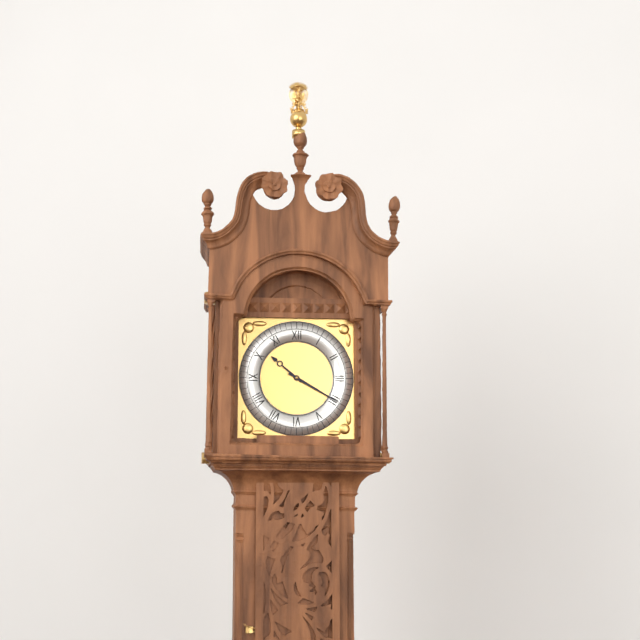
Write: 10:20
